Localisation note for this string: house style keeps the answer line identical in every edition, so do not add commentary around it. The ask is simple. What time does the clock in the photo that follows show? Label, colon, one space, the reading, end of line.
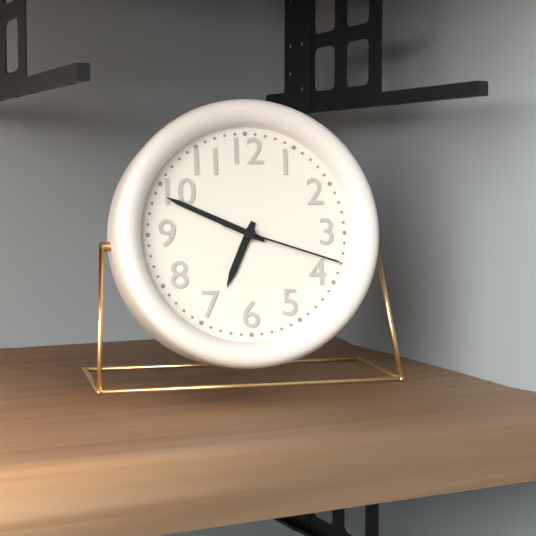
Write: 6:49:18
